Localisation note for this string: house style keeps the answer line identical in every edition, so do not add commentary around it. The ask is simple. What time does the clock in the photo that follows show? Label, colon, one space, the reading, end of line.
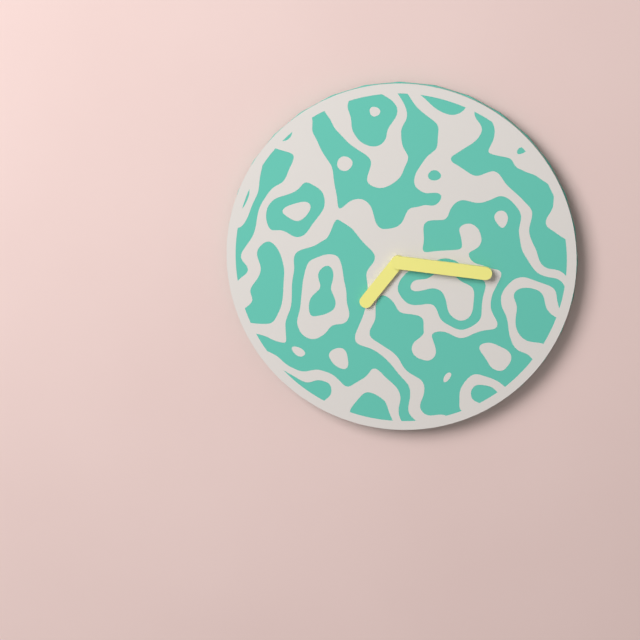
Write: 7:16
